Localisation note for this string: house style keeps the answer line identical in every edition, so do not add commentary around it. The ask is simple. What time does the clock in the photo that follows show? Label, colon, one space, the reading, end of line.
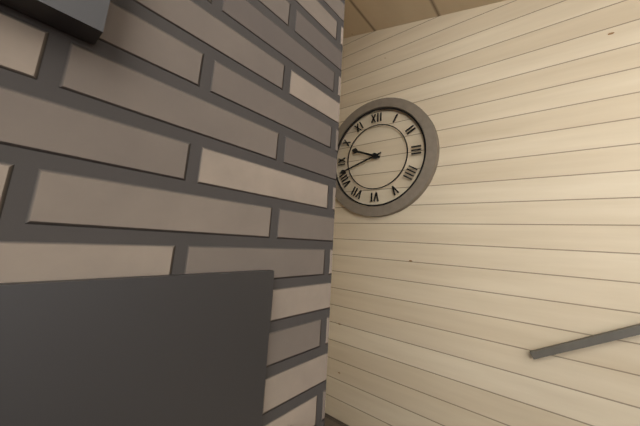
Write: 9:42
